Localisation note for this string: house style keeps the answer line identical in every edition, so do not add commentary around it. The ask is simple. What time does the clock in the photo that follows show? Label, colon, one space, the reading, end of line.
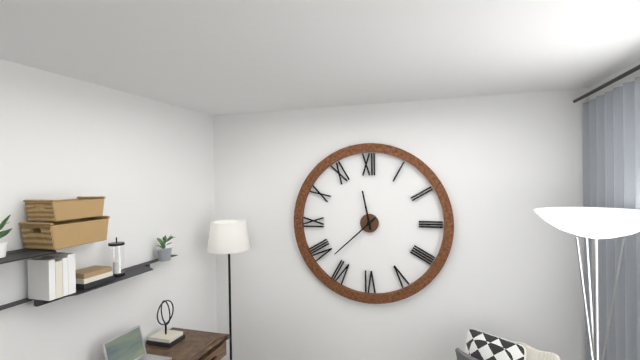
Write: 11:38
